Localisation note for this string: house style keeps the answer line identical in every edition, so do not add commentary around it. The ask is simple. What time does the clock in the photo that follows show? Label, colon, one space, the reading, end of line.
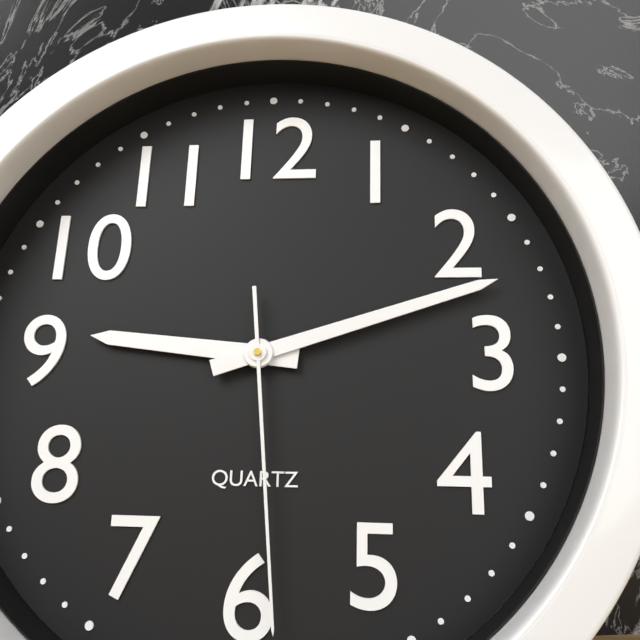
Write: 9:12:29
